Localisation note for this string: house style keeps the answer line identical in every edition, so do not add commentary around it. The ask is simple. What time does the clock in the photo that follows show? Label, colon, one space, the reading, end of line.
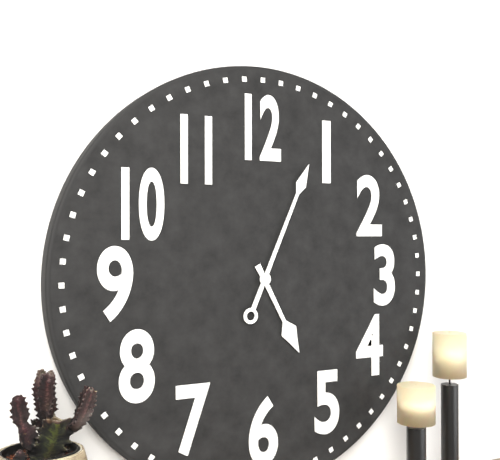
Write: 5:04
